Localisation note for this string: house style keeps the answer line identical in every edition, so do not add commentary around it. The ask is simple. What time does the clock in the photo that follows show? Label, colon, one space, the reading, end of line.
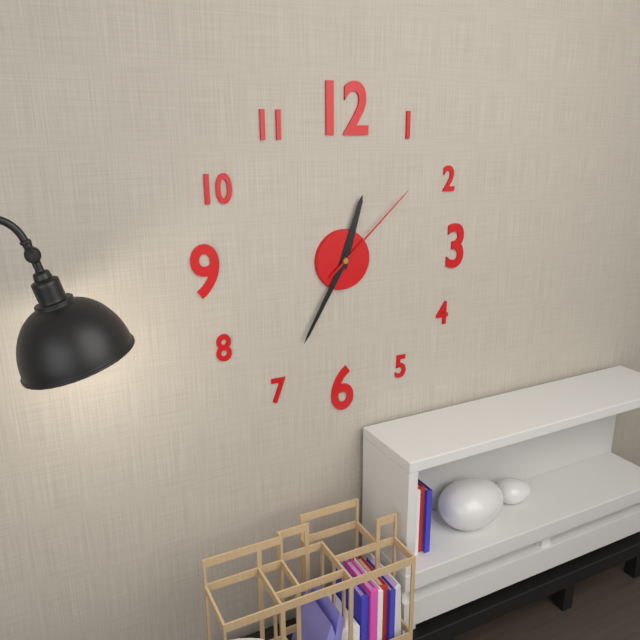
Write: 12:35:08
